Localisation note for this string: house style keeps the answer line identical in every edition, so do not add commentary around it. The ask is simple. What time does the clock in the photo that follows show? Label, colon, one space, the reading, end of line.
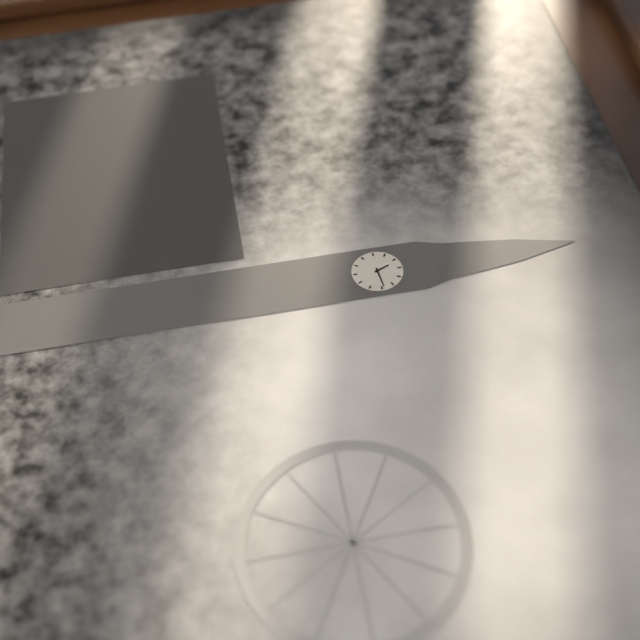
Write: 11:14
